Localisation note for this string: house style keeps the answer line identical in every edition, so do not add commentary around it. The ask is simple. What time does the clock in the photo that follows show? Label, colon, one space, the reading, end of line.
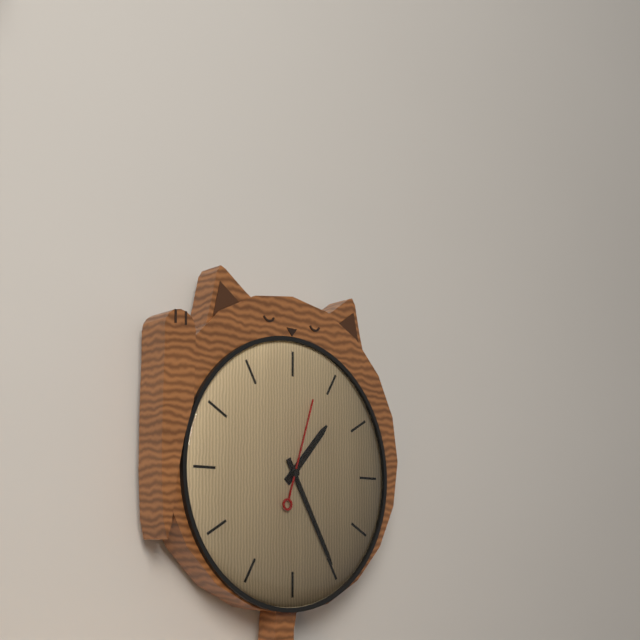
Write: 1:25:03
